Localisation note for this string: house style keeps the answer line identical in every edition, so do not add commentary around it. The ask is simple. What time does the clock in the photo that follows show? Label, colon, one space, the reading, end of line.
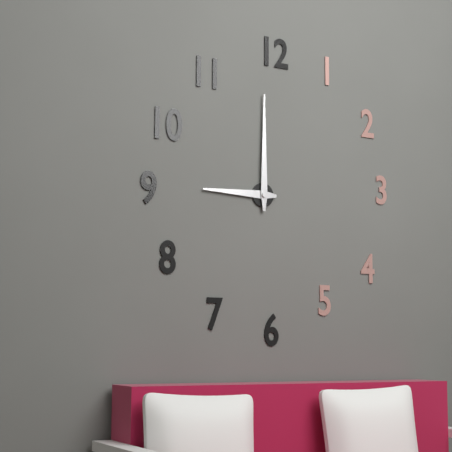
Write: 9:00
